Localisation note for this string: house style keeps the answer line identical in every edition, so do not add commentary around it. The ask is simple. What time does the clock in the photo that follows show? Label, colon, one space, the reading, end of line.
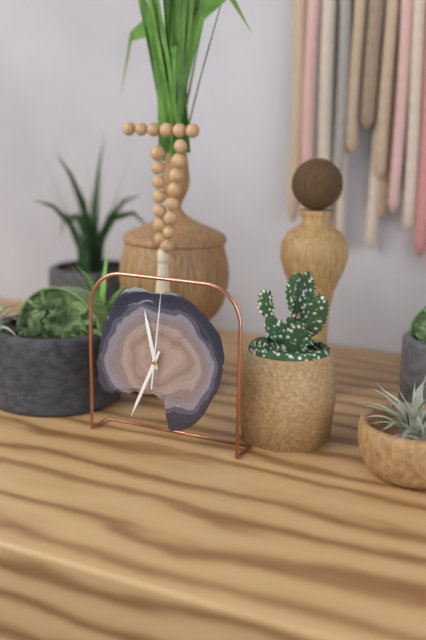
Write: 11:34:01
